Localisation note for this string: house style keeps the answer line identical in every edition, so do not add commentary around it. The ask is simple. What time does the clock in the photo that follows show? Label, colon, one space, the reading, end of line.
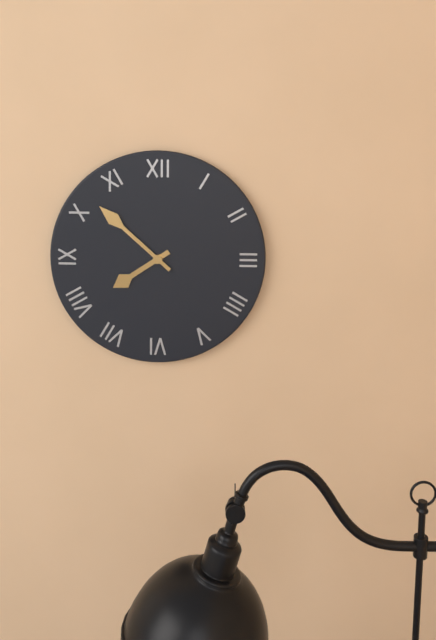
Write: 7:52
